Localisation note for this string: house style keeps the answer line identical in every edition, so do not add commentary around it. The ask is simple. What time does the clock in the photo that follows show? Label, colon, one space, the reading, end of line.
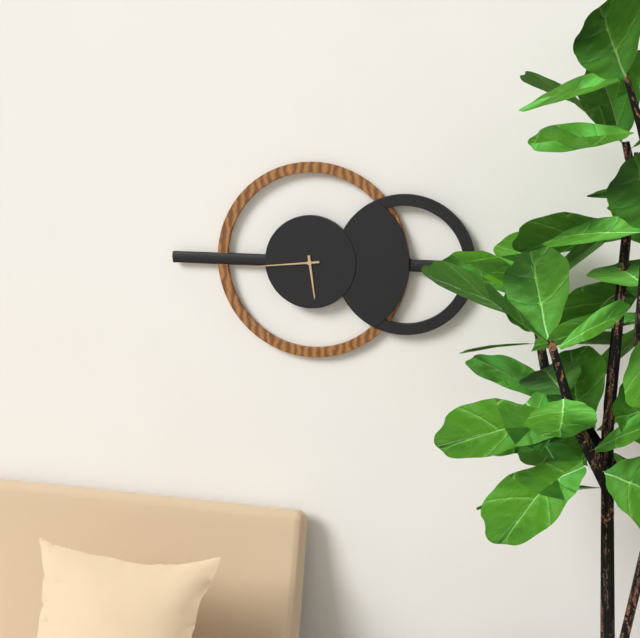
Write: 5:44
